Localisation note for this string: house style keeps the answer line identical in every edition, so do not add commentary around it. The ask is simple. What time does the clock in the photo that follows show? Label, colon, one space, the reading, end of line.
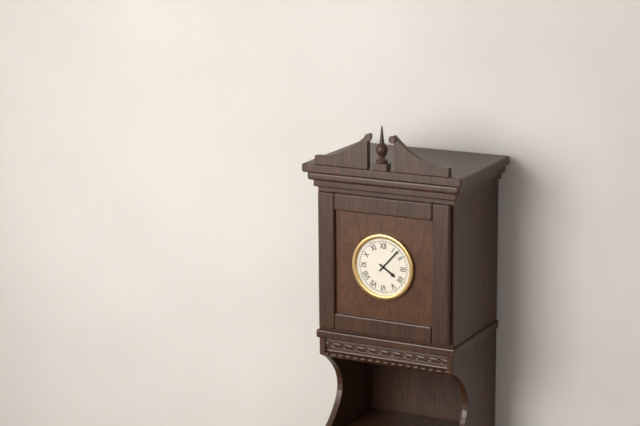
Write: 4:07
